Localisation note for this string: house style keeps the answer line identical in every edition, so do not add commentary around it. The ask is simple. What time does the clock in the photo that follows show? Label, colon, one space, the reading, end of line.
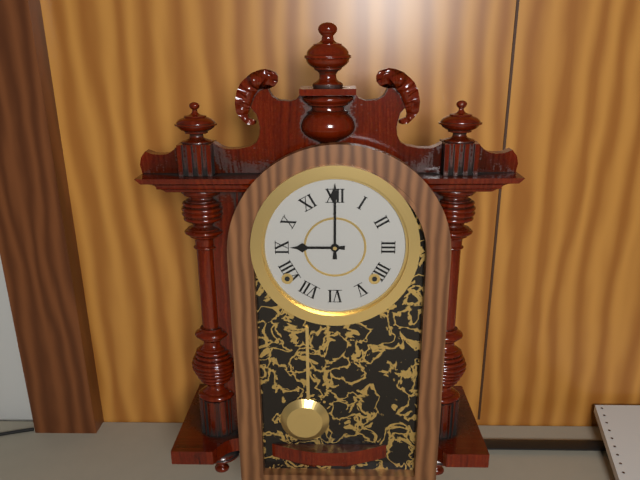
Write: 9:00
